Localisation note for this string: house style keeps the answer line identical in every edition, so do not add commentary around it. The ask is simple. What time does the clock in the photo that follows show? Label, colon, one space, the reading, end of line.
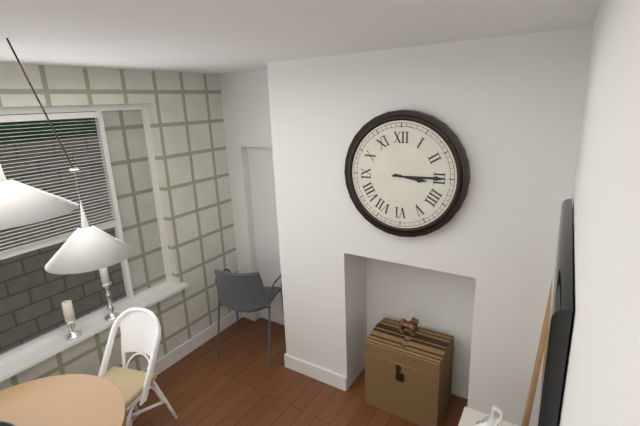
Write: 3:15
